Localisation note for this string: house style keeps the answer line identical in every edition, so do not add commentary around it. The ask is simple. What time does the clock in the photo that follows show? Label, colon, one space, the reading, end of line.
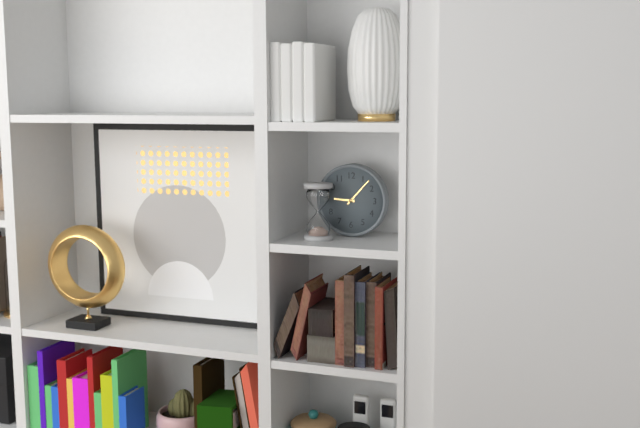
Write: 9:07
